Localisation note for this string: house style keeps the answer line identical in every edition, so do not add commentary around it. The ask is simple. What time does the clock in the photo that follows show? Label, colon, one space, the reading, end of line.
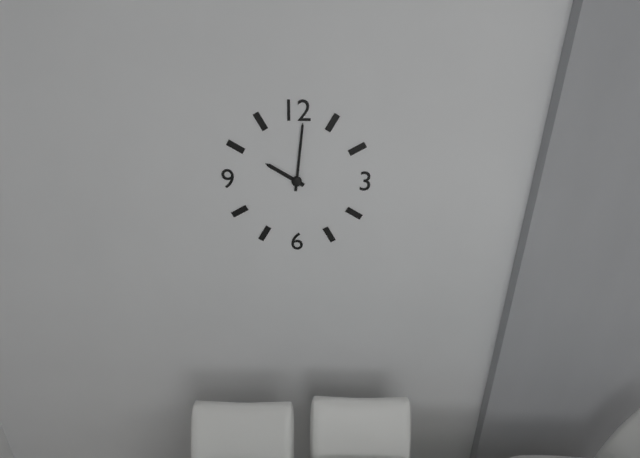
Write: 10:01
